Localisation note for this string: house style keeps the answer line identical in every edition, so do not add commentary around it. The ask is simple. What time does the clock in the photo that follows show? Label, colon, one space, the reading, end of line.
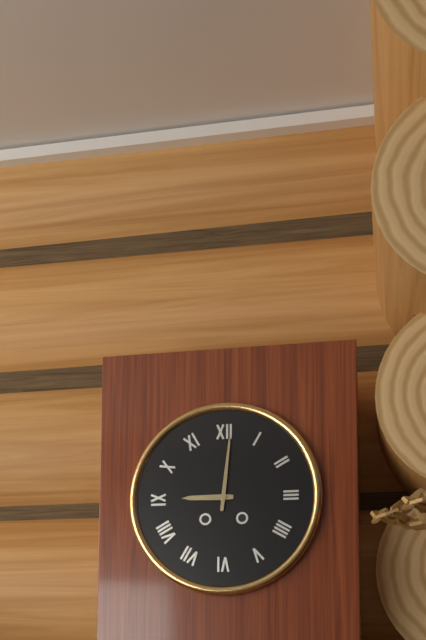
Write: 9:01
